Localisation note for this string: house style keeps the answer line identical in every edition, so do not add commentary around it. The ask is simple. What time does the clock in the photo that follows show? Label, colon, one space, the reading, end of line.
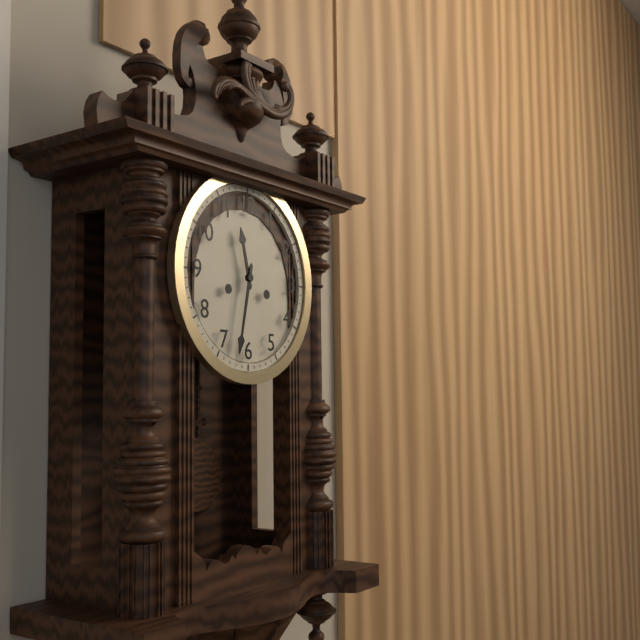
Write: 11:32
